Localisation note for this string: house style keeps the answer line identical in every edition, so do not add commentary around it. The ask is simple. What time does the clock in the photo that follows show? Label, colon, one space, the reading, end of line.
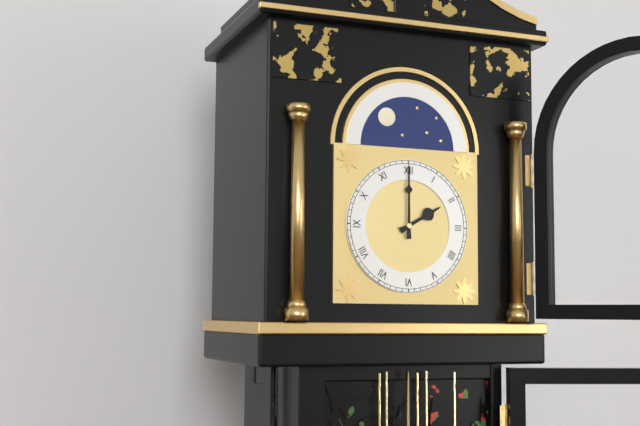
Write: 2:00
